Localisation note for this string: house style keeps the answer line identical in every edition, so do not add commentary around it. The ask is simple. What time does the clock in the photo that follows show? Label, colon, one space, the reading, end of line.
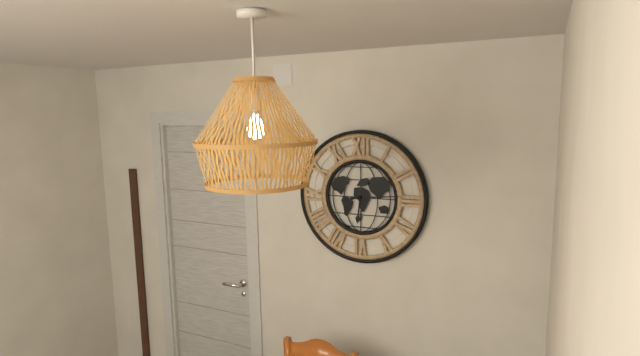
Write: 6:14
